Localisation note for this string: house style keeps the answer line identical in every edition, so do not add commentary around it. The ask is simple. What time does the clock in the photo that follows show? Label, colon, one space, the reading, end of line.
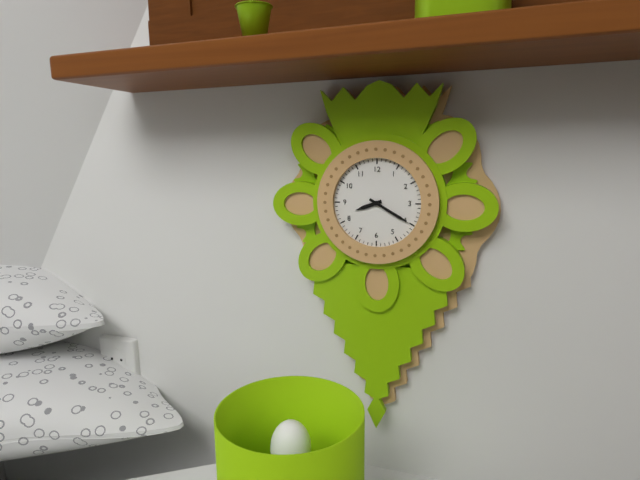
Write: 8:20
